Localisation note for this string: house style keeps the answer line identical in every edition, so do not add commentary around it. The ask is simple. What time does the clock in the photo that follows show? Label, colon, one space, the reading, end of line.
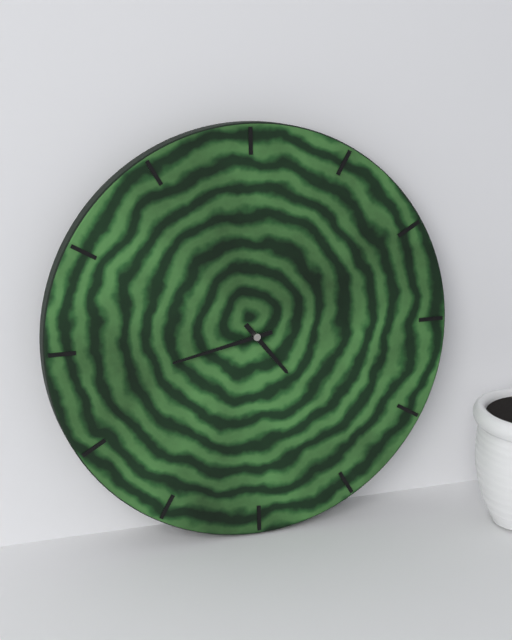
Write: 4:43
